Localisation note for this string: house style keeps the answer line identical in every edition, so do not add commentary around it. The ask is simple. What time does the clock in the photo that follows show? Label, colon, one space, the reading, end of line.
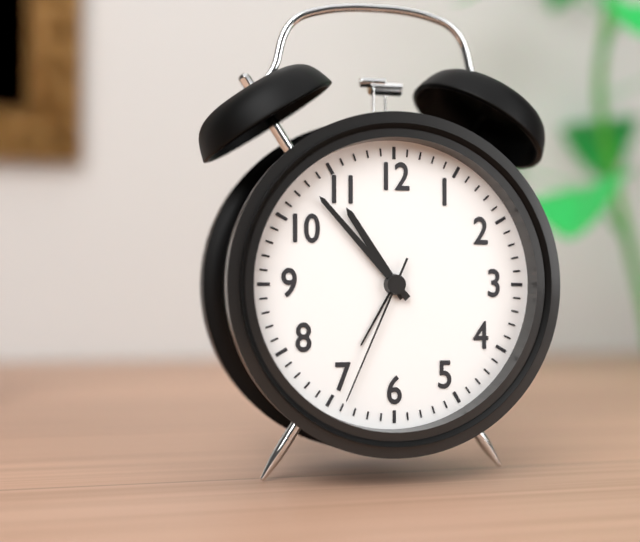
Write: 10:53:34
